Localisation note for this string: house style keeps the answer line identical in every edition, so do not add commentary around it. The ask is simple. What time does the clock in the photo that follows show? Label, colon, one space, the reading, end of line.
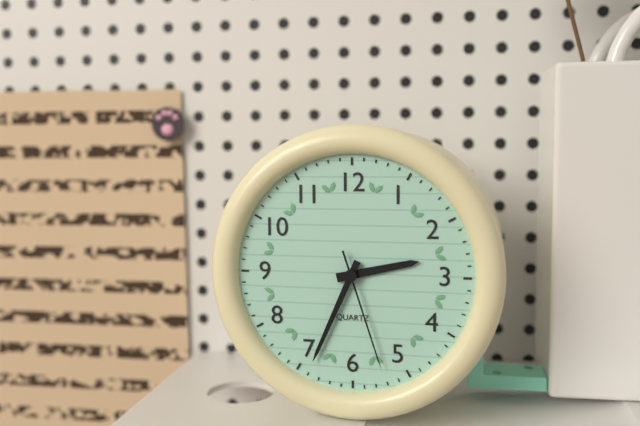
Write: 2:34:27
